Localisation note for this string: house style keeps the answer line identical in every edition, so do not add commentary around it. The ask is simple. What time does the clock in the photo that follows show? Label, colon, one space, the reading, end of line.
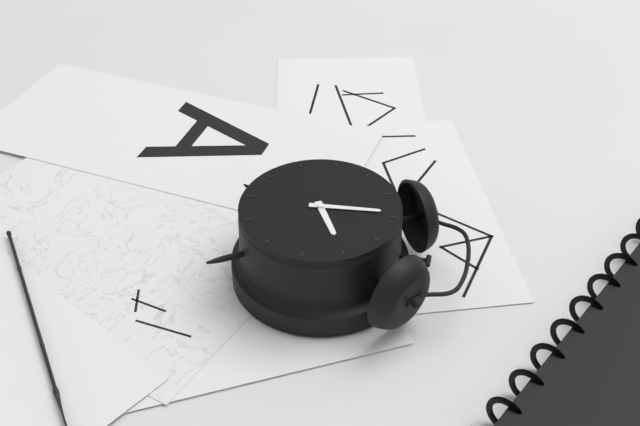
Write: 1:59
